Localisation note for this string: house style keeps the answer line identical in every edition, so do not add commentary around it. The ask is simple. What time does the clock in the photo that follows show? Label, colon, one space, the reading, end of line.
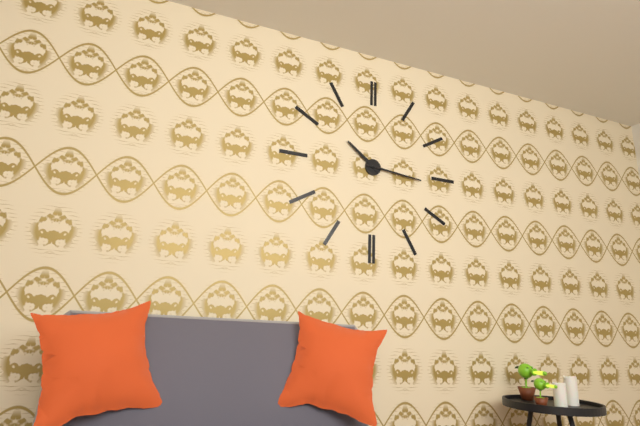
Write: 10:16
